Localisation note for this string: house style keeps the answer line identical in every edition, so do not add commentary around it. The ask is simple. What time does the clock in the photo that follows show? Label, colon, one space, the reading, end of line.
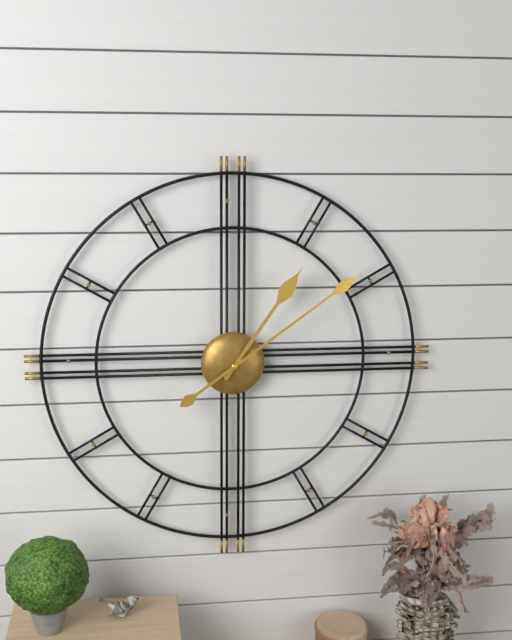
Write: 1:09
